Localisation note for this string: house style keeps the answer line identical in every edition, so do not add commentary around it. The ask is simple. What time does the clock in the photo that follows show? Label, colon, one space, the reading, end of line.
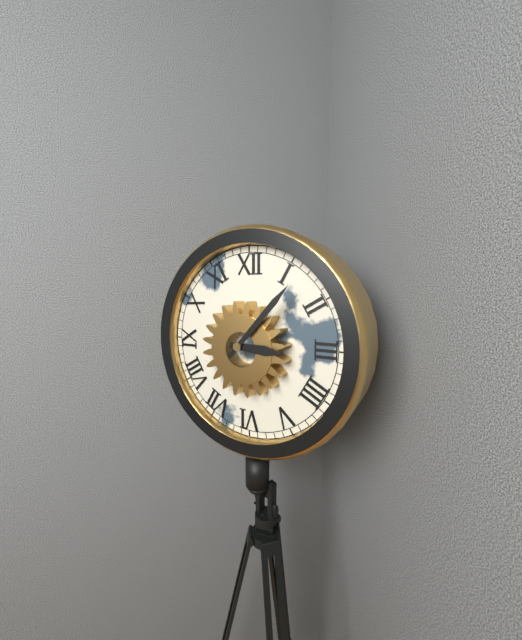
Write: 3:07
